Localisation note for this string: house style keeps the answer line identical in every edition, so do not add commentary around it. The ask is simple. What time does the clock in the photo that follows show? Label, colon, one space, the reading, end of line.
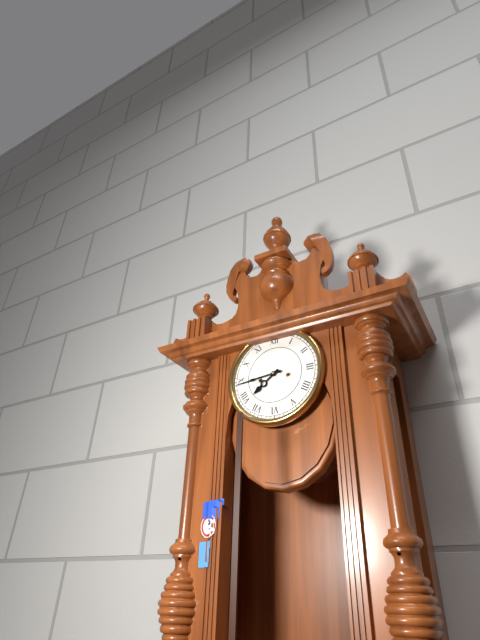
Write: 7:44
